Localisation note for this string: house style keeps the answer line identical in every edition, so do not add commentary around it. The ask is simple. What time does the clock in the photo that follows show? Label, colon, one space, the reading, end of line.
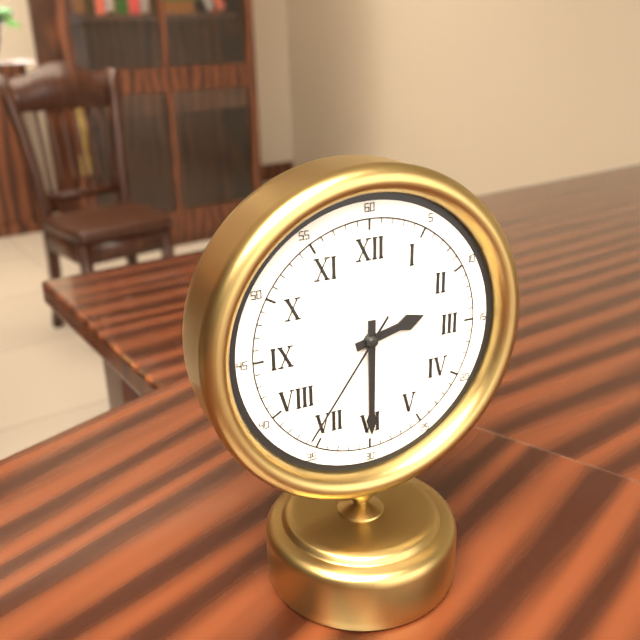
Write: 2:30:36
